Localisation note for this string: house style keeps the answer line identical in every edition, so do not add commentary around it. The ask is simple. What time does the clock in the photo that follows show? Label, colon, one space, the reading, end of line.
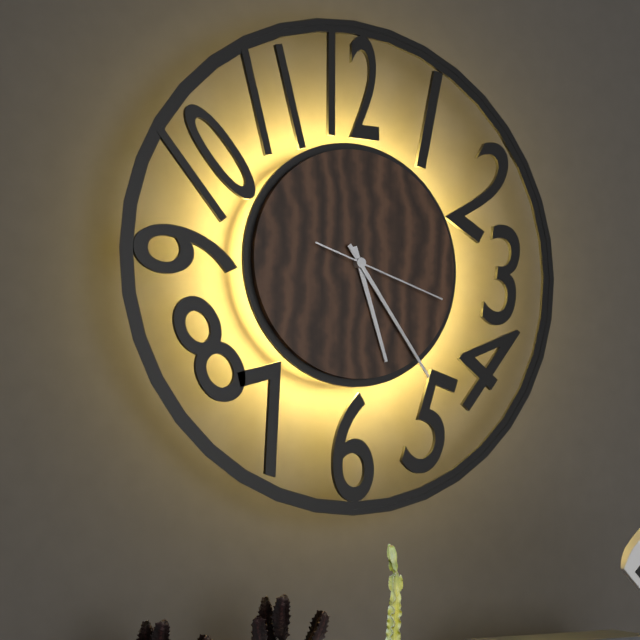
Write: 5:24:18
